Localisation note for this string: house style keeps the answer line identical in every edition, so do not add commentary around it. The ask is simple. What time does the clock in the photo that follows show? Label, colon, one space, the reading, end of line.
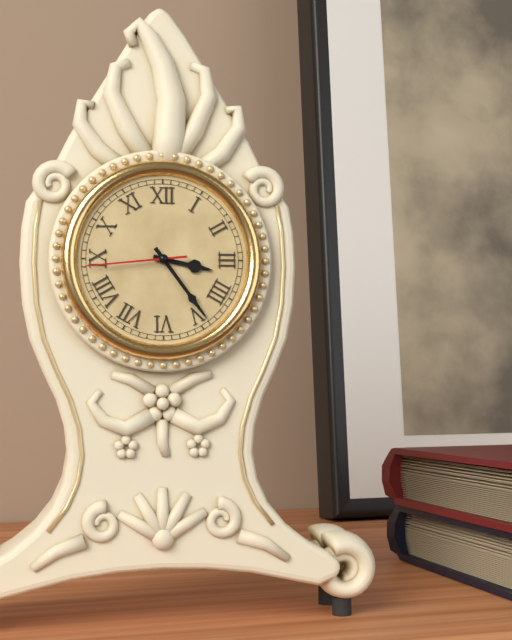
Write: 3:24:44
